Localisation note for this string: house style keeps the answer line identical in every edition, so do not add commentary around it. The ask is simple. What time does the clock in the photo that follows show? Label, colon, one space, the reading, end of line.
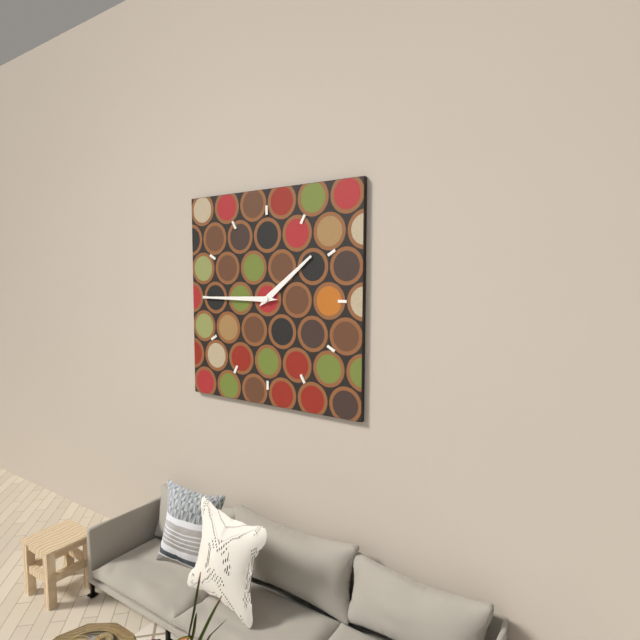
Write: 1:45
